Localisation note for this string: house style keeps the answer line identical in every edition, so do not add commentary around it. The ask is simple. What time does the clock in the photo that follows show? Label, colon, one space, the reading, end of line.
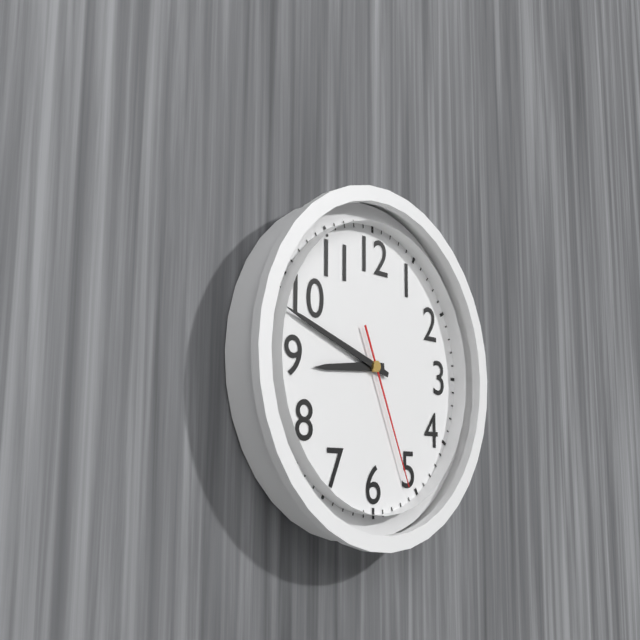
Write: 8:48:26
